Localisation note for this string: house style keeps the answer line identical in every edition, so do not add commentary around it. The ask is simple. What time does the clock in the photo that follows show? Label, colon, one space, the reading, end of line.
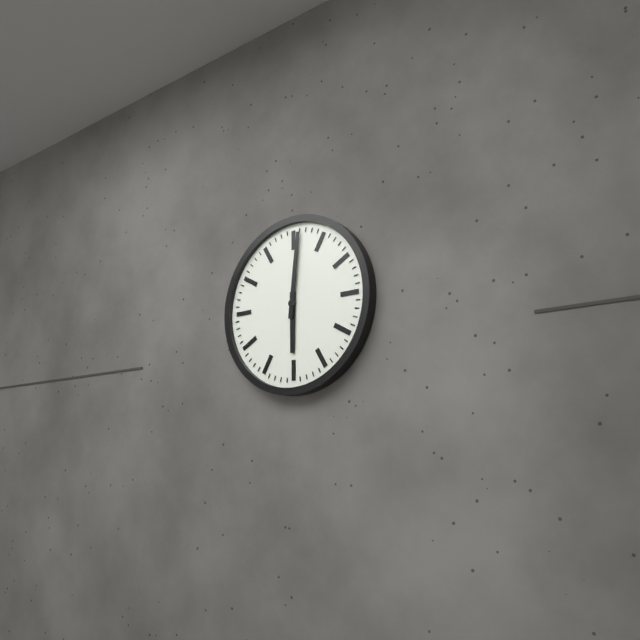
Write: 6:01
